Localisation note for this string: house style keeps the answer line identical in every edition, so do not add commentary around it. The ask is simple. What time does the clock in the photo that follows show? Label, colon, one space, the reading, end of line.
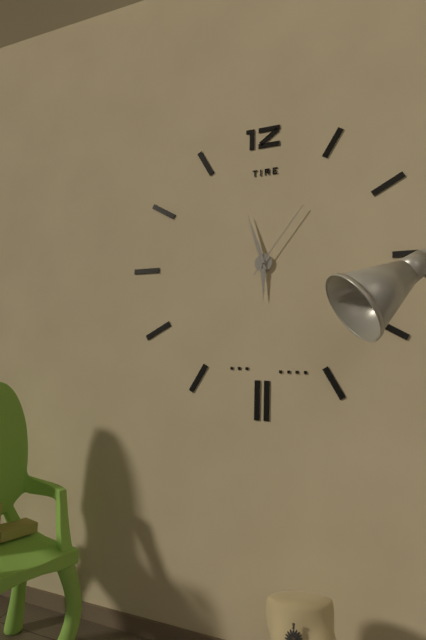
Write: 5:57:06
